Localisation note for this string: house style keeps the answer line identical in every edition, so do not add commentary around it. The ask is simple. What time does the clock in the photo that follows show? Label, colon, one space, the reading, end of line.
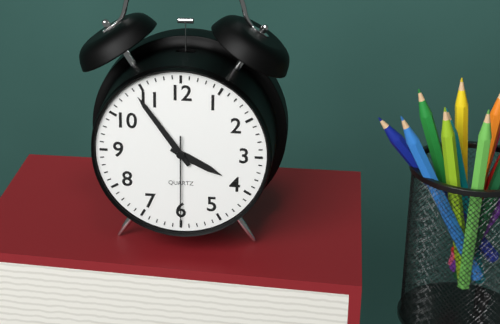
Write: 3:54:30
